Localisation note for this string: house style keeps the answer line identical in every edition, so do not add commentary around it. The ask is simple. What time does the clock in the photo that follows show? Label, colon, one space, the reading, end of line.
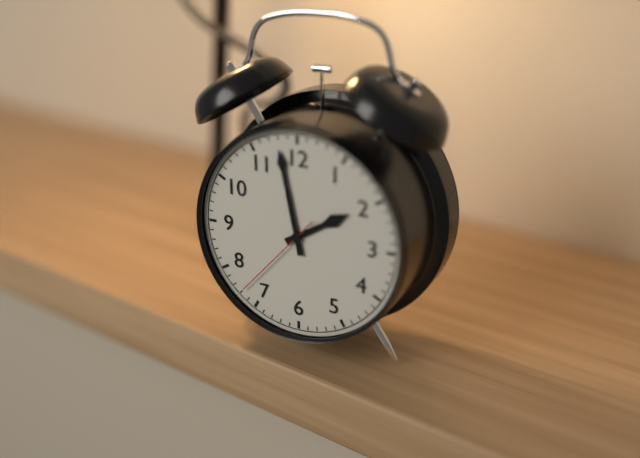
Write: 1:58:37
